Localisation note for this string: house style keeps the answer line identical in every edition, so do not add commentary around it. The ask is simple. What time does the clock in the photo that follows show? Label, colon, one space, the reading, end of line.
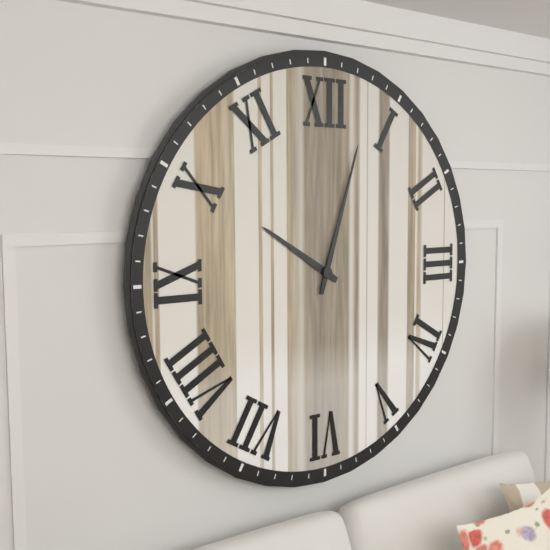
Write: 10:03
